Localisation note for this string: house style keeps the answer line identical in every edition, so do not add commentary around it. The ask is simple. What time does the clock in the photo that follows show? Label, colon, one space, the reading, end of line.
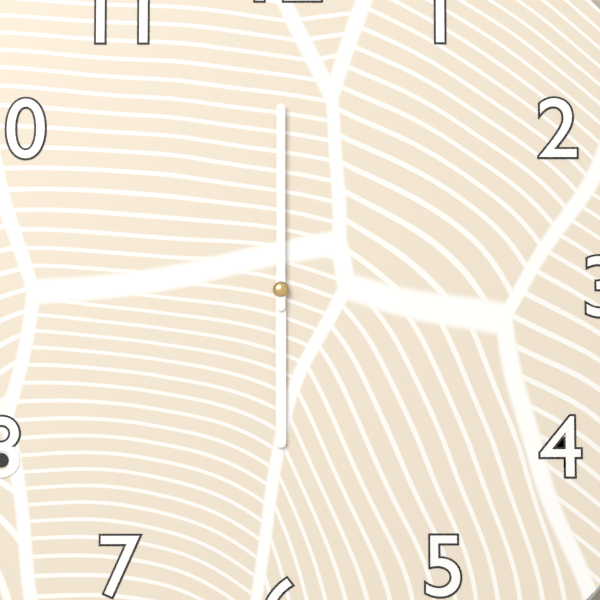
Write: 6:00
